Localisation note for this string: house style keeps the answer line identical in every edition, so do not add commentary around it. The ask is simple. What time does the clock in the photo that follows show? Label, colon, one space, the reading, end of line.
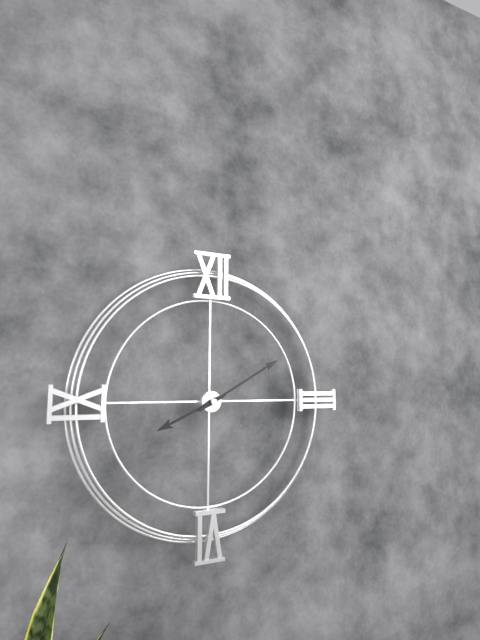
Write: 8:10
